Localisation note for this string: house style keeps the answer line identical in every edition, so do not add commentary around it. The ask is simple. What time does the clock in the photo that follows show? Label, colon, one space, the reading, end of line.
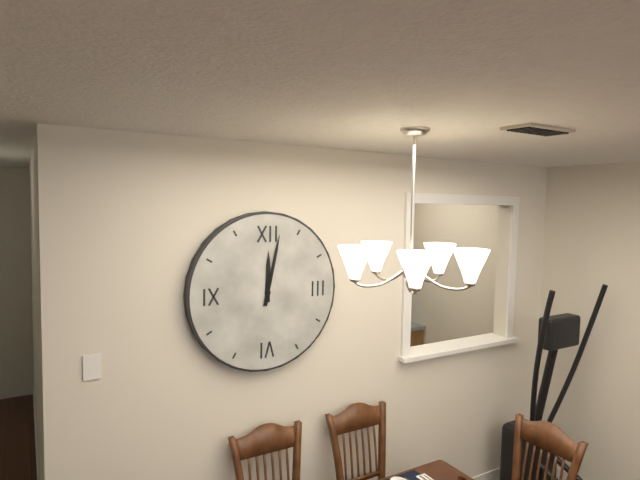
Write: 12:02
